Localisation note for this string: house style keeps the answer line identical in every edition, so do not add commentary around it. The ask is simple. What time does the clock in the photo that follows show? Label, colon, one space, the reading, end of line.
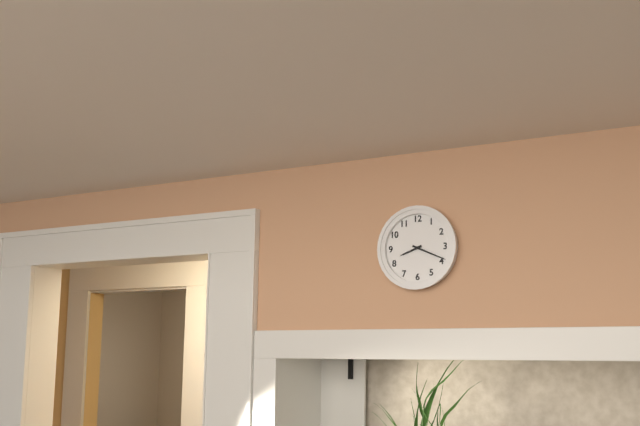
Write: 8:19
